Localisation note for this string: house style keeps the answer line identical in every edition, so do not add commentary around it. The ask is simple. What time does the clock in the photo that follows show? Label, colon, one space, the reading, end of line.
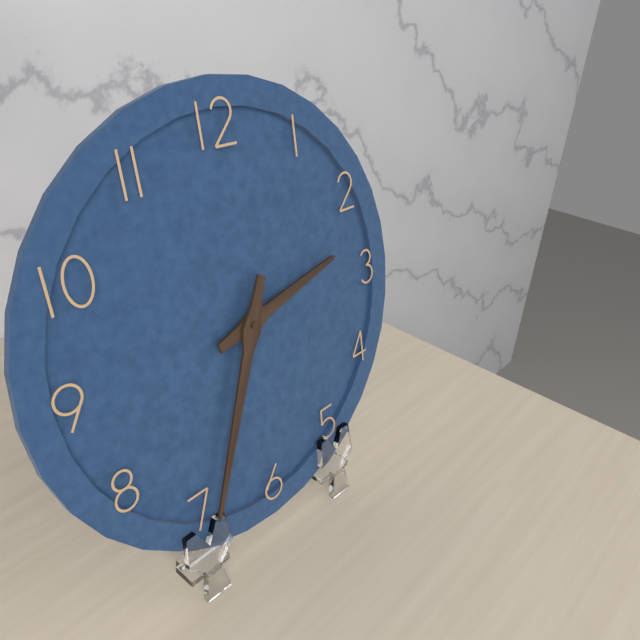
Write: 2:34
